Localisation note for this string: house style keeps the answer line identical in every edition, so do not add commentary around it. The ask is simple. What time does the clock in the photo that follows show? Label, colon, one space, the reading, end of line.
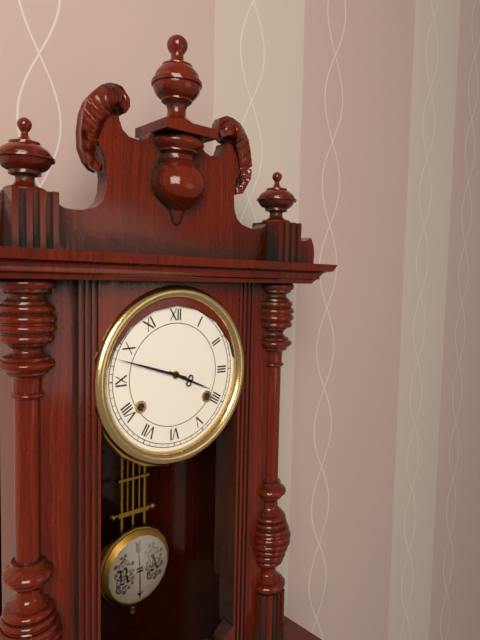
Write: 3:48
